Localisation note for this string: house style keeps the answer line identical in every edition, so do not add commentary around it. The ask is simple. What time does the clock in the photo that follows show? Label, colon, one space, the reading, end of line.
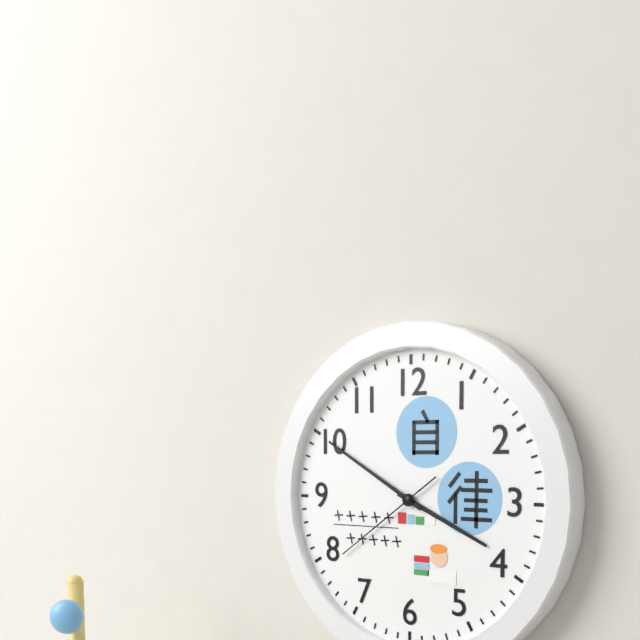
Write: 3:50:39
